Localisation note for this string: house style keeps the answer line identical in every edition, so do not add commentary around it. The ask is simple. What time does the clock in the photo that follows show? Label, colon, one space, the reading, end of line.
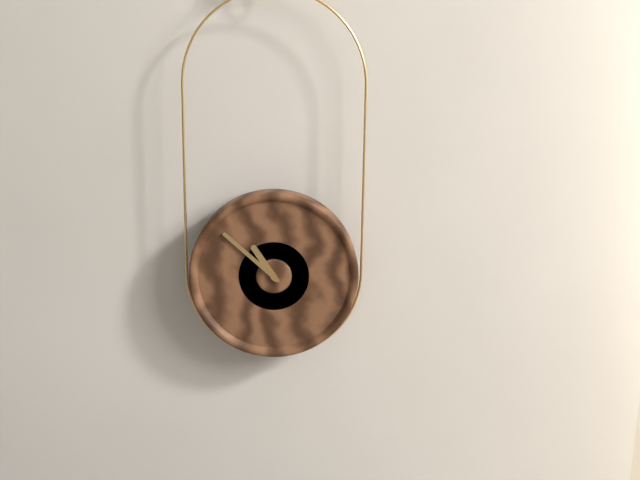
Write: 10:52
